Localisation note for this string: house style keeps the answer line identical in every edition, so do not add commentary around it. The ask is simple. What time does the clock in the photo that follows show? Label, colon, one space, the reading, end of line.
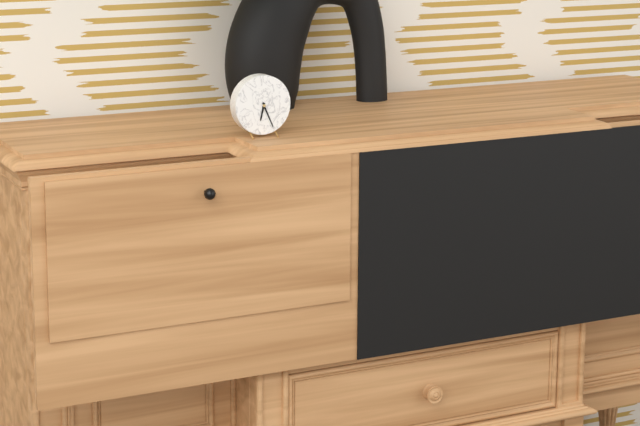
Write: 6:26
